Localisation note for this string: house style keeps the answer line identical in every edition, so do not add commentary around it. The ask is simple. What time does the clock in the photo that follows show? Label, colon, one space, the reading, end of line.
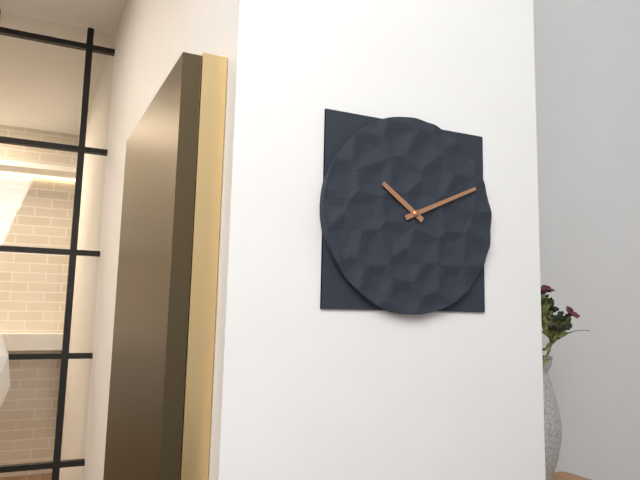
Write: 10:11
